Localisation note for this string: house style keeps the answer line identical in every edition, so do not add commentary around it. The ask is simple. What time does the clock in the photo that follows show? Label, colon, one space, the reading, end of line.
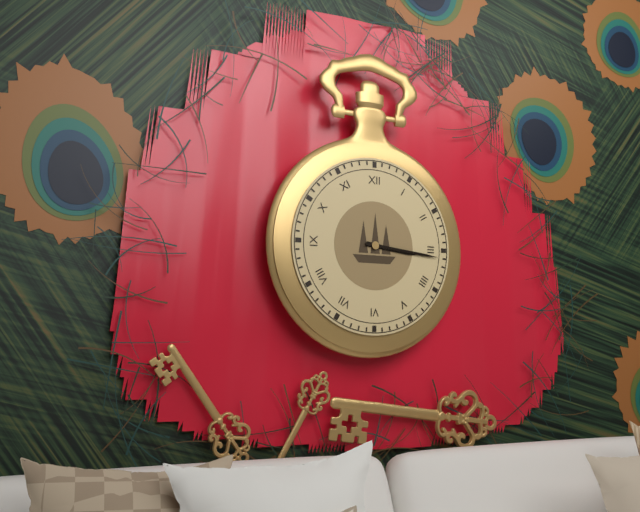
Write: 3:16
